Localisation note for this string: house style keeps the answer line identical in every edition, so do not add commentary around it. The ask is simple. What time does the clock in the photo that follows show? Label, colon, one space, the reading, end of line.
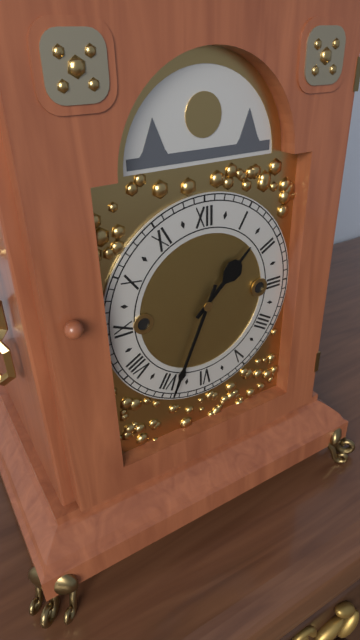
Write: 1:34
